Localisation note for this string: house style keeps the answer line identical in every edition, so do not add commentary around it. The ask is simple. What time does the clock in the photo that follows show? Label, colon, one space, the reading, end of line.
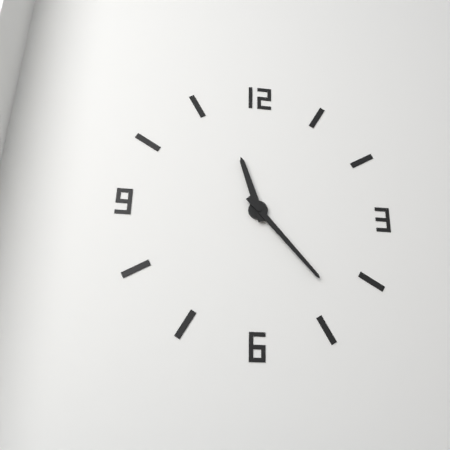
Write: 11:23
